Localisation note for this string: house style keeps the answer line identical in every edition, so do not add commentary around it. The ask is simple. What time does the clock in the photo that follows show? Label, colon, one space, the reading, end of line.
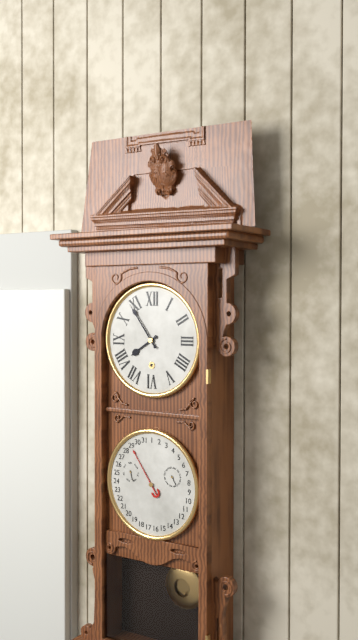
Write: 7:54
